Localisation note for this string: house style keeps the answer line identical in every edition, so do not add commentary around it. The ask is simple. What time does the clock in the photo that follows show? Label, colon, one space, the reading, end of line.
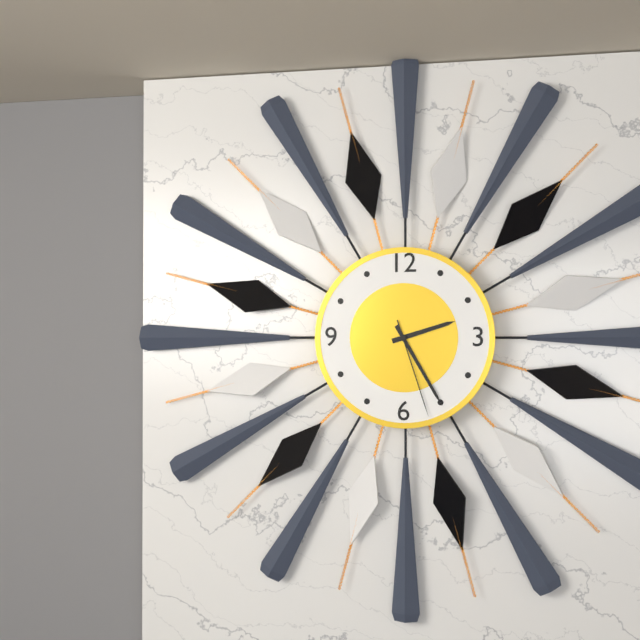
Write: 2:25:27
